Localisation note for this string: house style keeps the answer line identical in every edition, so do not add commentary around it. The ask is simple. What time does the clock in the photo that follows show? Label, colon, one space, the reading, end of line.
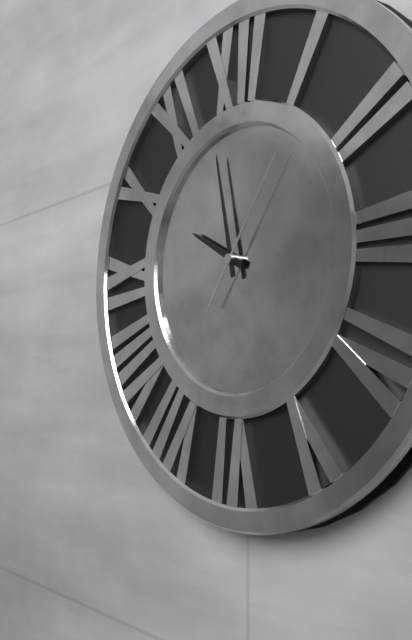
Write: 9:58:06
